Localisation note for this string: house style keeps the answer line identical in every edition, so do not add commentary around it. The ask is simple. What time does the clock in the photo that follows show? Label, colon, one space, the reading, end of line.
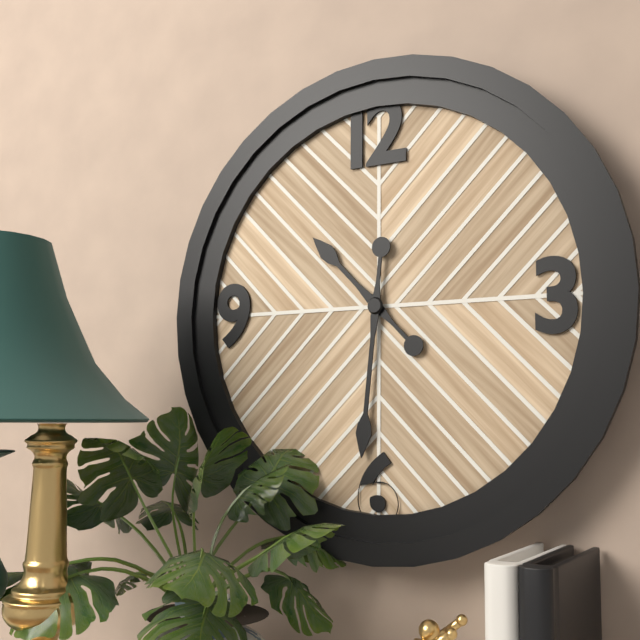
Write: 10:31
